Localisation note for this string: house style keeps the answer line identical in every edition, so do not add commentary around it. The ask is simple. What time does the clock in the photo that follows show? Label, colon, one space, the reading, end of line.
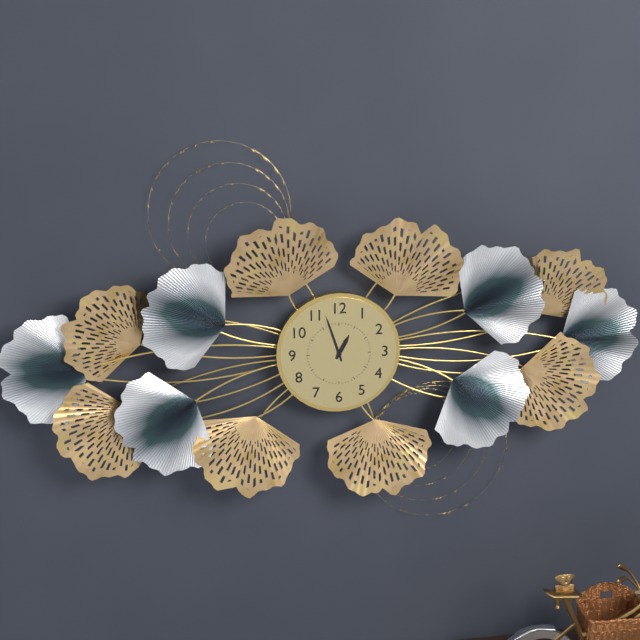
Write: 12:57
